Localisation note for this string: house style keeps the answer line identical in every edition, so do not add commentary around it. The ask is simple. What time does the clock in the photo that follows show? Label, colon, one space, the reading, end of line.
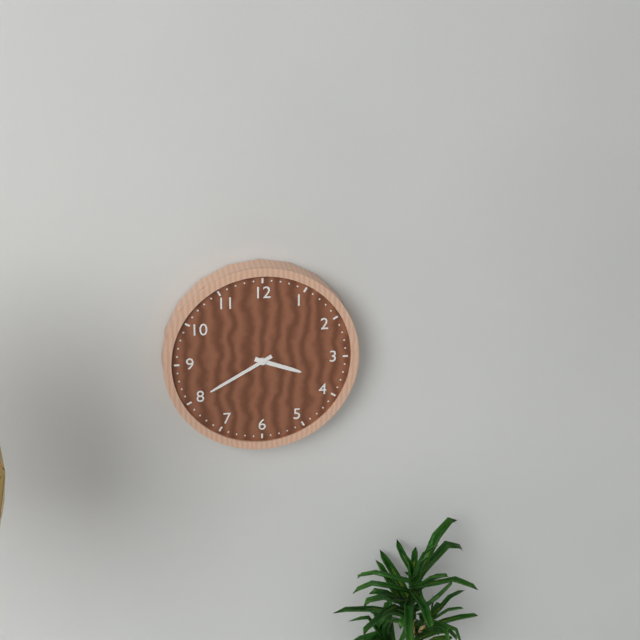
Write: 3:40
